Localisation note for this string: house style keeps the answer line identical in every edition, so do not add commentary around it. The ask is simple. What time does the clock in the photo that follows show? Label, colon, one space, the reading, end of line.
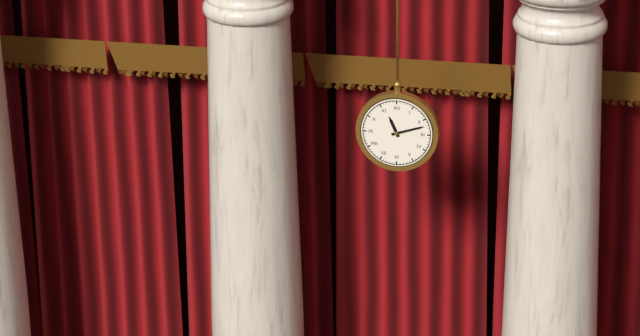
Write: 11:12
